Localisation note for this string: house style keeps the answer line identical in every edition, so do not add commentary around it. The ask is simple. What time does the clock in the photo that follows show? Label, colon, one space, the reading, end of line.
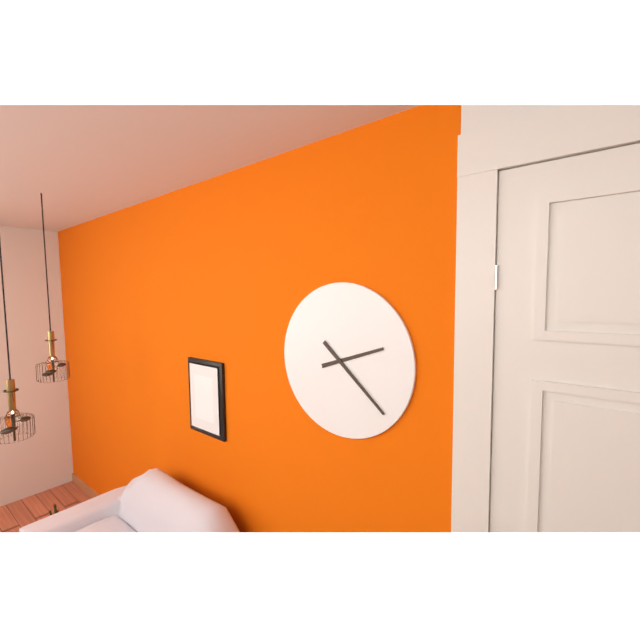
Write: 2:22
